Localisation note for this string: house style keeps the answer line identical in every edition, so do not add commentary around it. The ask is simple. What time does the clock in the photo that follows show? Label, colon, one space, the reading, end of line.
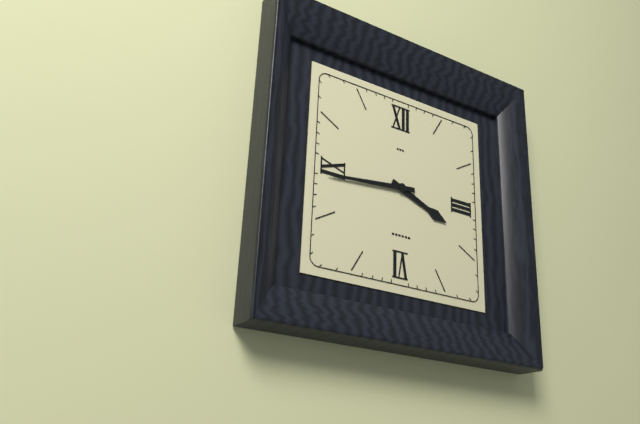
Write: 3:44
